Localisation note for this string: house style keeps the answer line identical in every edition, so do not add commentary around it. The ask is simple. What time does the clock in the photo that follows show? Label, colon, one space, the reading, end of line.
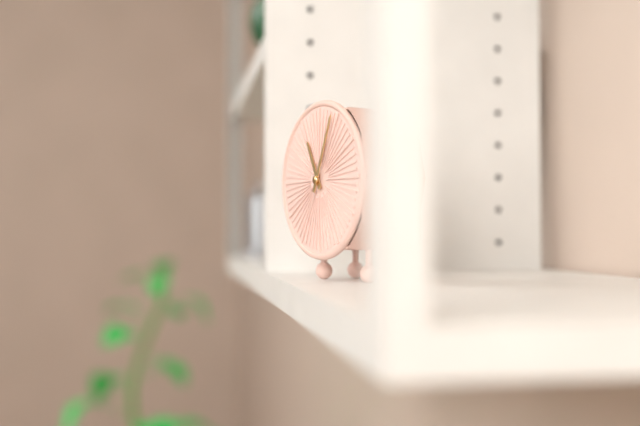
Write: 11:04
